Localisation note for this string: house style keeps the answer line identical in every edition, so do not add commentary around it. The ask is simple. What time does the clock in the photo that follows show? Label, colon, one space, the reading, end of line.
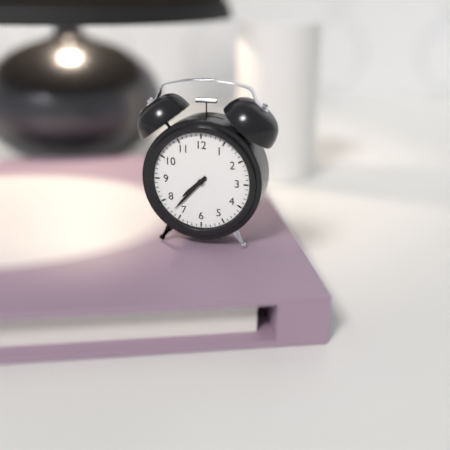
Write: 7:37
